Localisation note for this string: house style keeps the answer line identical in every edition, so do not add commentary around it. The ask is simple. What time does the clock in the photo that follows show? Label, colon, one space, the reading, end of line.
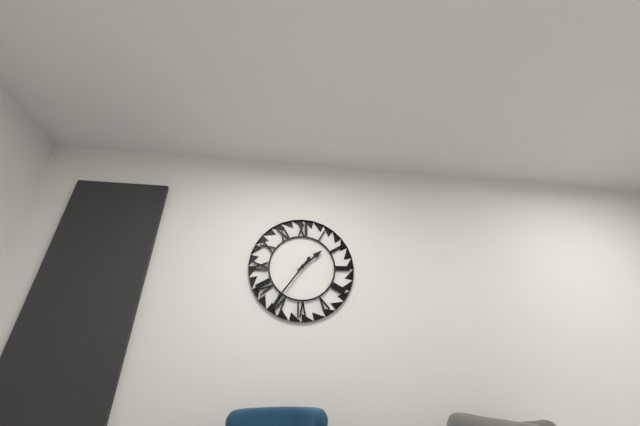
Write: 1:36
